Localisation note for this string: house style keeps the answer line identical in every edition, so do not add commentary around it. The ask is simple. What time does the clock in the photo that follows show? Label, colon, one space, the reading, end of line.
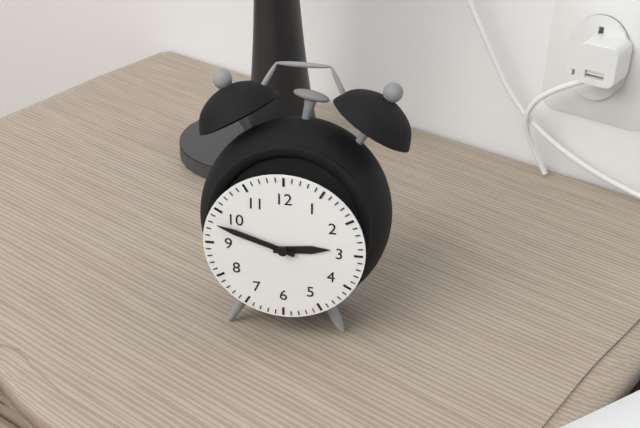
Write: 2:48
